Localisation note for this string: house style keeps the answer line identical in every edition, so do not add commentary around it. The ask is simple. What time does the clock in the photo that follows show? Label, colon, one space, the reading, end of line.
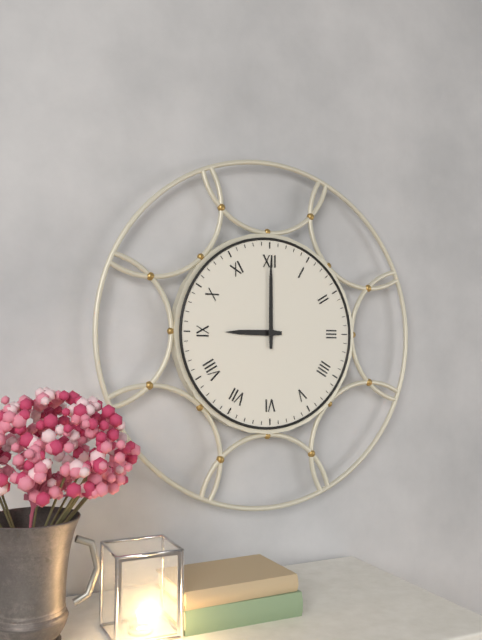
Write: 9:00
